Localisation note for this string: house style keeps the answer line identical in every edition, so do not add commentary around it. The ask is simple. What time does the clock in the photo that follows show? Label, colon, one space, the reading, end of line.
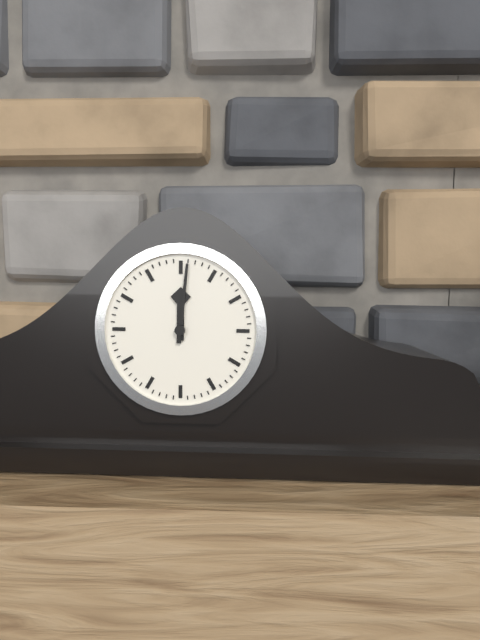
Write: 12:01
